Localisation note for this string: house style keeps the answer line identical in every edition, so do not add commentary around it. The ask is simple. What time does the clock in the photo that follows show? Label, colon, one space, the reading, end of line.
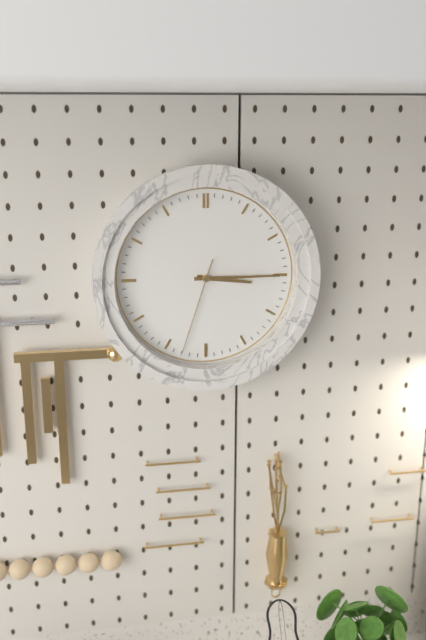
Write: 3:15:33
